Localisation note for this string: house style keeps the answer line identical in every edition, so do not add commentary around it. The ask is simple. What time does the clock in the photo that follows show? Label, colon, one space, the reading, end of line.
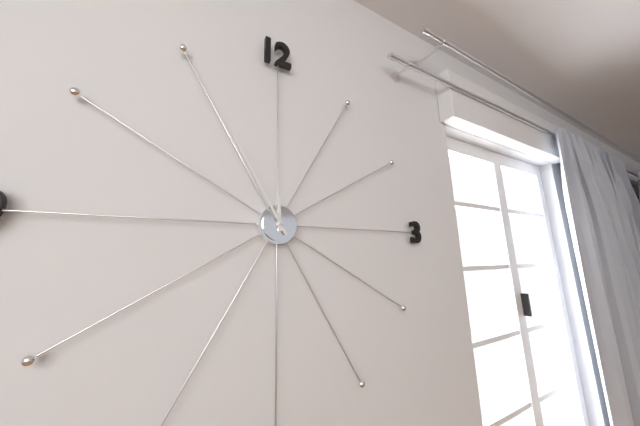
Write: 11:55
